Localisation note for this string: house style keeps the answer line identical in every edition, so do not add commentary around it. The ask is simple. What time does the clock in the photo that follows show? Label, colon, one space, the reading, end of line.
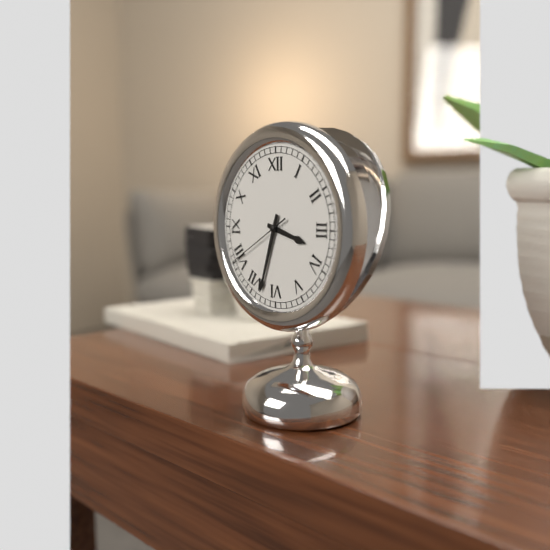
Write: 3:33:40
